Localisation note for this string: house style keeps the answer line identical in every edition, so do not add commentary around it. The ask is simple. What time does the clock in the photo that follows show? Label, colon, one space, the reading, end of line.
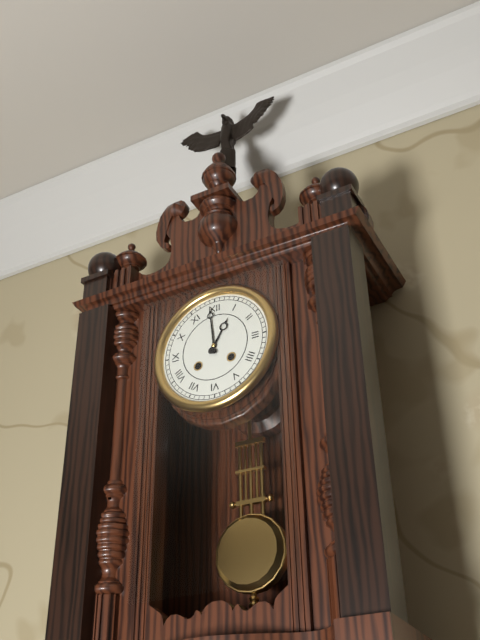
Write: 12:59
